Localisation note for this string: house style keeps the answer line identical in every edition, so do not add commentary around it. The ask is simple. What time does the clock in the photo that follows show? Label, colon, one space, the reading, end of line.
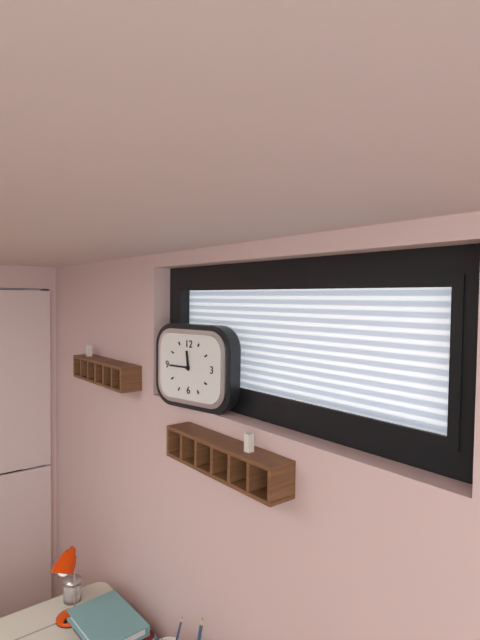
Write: 11:45
